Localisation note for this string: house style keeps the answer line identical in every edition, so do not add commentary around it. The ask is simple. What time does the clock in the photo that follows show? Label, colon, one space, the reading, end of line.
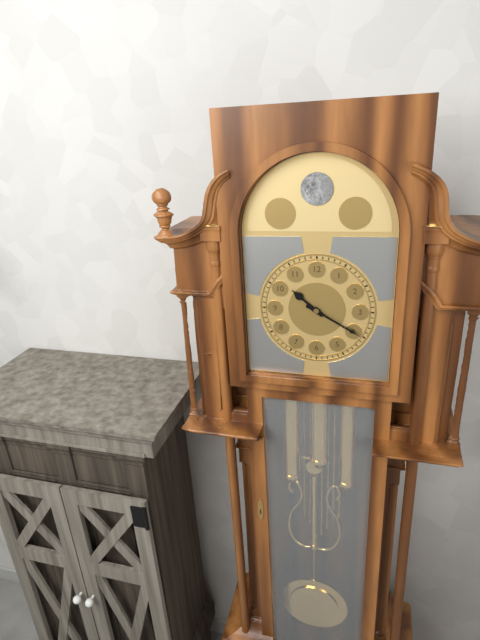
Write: 10:20
